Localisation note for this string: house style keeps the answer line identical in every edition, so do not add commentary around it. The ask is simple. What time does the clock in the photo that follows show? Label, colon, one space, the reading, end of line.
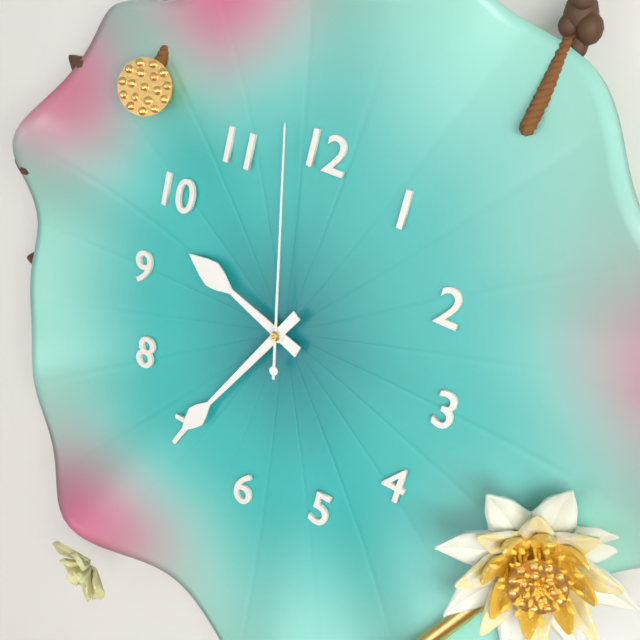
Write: 9:35:58
